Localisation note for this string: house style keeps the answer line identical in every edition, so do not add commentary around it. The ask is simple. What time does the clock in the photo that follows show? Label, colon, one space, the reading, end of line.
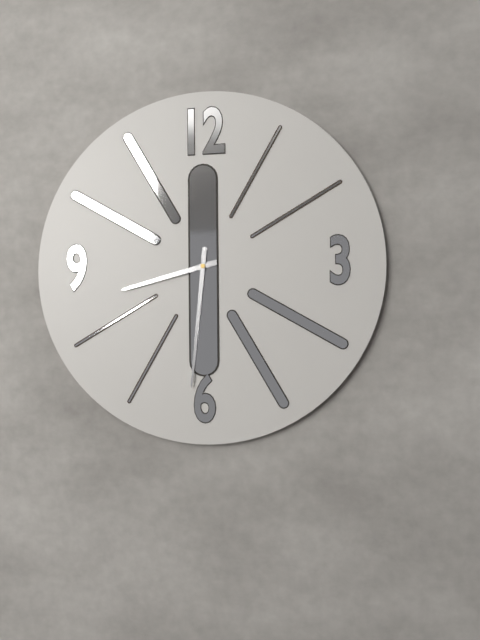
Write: 8:31
